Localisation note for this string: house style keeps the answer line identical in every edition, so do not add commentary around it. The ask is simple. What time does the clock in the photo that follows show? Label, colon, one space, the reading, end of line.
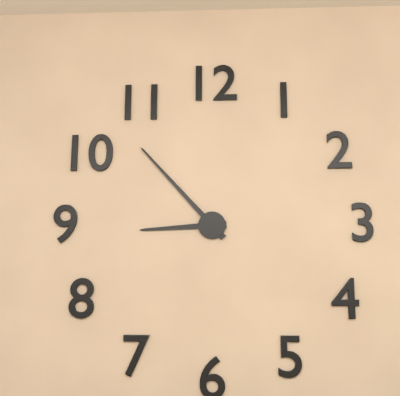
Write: 8:53
